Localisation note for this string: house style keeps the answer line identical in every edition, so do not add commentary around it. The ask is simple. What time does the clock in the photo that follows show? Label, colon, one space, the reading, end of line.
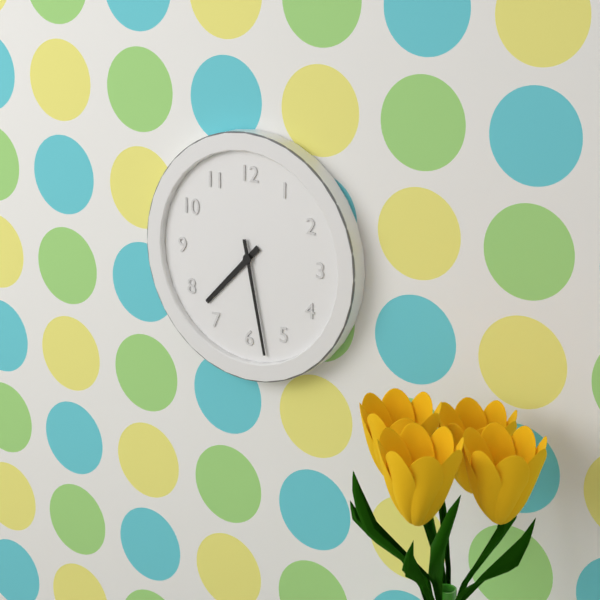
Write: 7:28
